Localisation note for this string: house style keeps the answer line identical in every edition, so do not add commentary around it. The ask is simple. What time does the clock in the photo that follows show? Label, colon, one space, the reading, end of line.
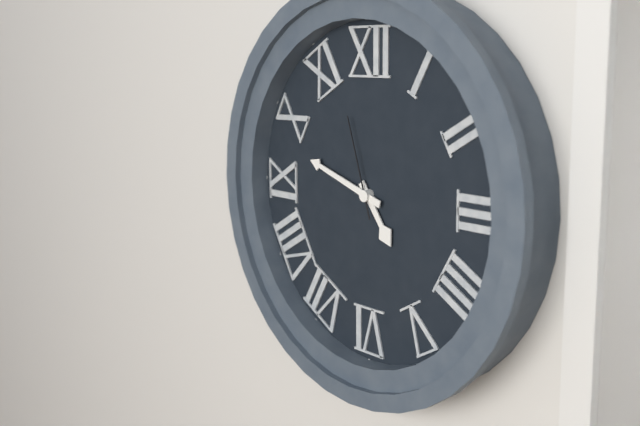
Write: 4:48:57
